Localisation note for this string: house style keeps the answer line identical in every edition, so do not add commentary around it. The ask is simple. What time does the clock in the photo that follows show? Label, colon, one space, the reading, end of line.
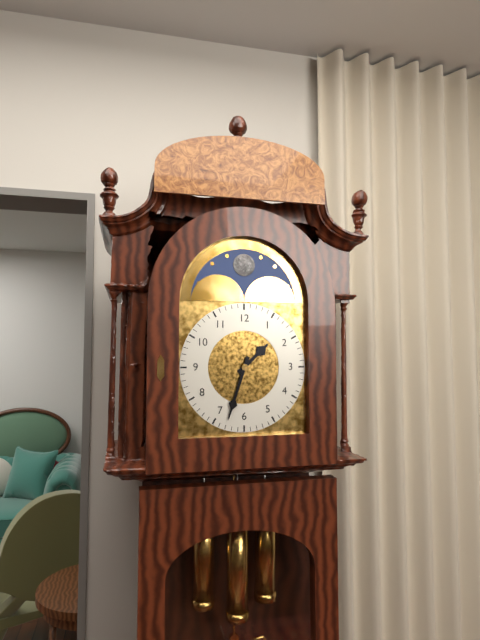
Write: 1:33
